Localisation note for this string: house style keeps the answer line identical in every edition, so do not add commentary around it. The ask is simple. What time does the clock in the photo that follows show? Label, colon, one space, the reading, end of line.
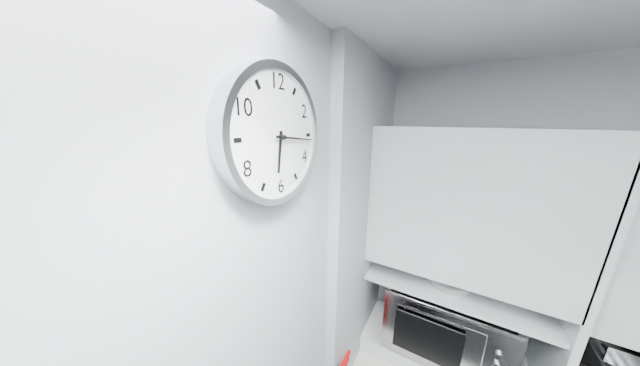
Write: 6:16
